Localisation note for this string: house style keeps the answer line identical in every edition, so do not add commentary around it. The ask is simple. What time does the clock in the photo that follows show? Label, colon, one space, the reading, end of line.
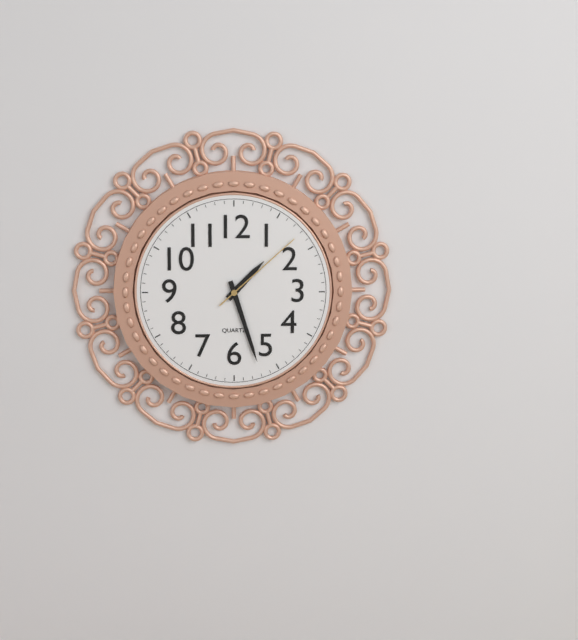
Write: 1:27:08
